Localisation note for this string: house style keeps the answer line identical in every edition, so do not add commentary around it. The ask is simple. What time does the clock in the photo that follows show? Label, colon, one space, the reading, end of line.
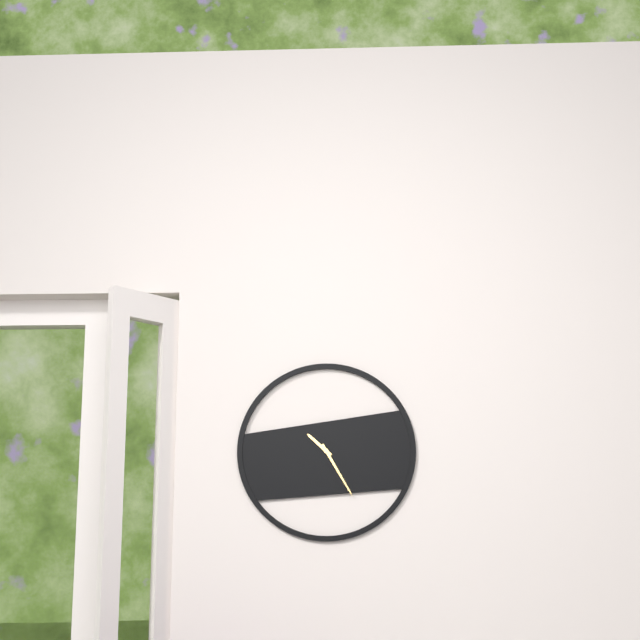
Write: 10:25
